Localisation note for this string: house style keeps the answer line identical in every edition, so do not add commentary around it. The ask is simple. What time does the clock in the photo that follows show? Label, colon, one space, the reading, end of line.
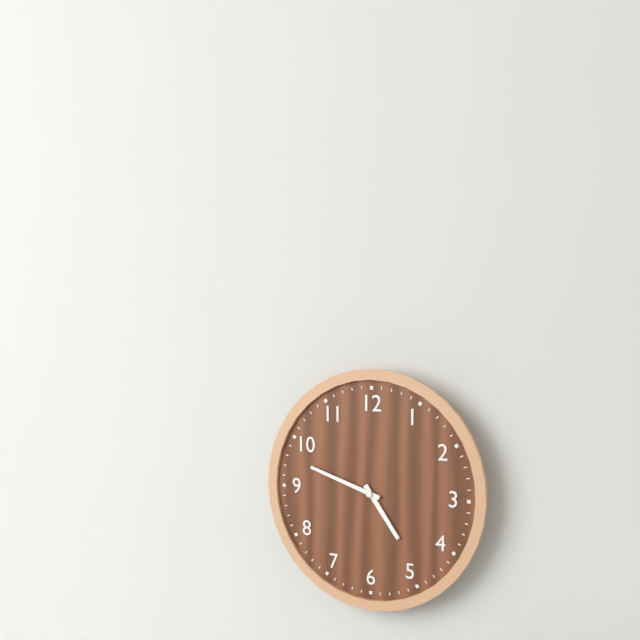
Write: 4:48
